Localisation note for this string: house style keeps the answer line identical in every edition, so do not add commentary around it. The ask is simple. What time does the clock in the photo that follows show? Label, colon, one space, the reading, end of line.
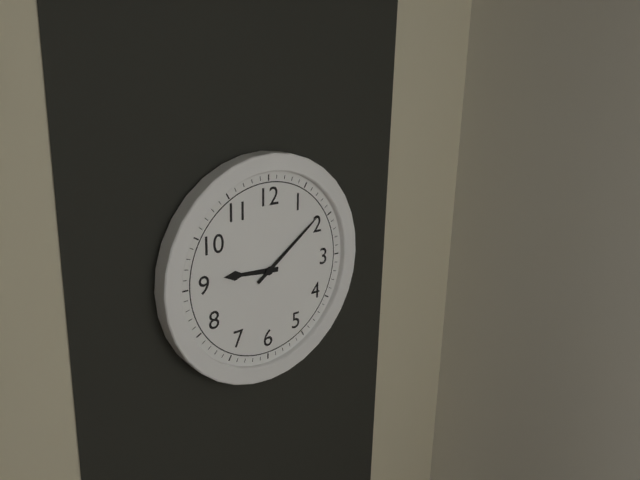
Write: 9:09
